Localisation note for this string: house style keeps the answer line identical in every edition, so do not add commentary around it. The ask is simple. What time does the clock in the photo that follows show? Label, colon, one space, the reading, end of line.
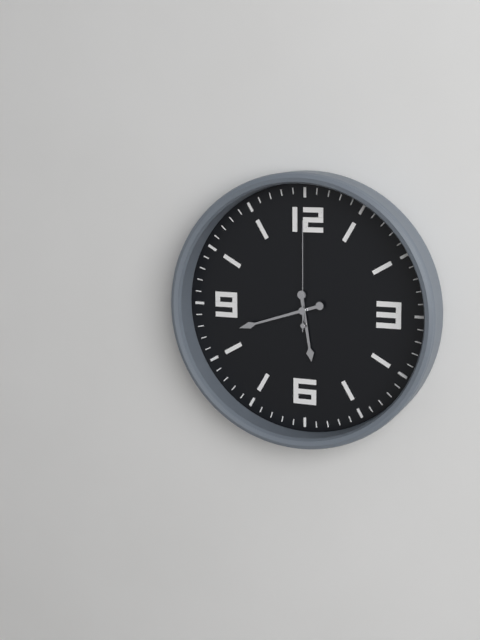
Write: 5:42:00
